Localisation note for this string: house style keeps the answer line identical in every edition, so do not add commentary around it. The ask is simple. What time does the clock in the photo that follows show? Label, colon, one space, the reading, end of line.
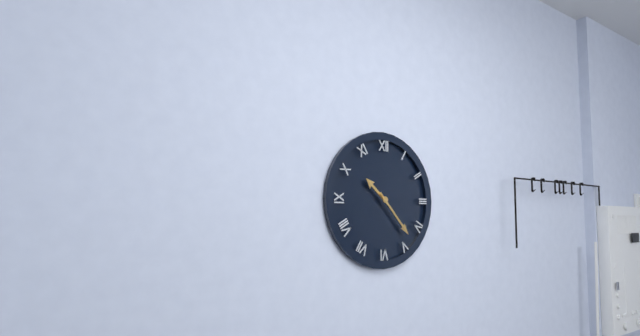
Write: 10:23
